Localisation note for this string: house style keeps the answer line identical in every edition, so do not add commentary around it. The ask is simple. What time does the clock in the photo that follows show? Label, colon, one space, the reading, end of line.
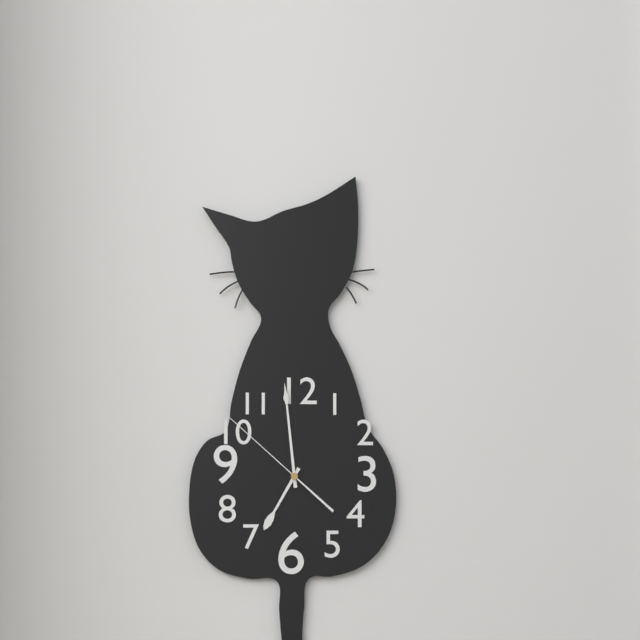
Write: 6:59:52
